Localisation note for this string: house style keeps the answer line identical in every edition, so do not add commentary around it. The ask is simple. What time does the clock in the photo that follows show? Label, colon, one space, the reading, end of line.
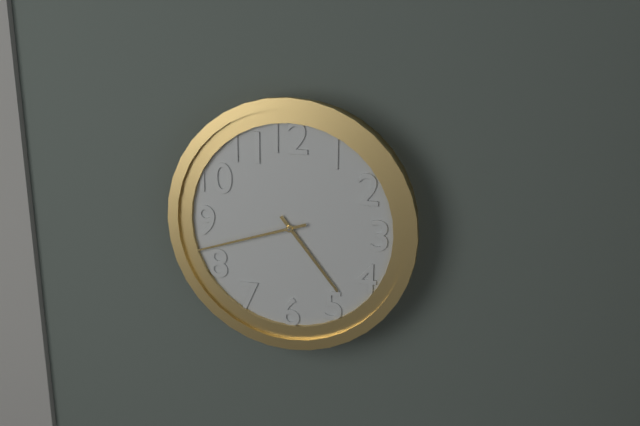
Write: 4:42
